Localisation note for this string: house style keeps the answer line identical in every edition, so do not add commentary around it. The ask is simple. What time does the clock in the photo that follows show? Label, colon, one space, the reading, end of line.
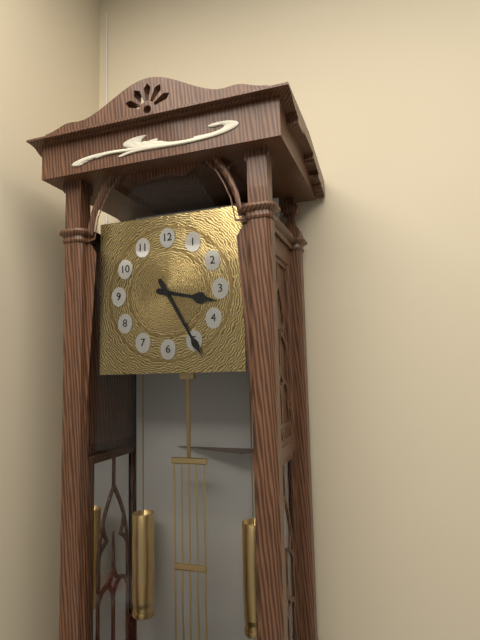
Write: 3:25
